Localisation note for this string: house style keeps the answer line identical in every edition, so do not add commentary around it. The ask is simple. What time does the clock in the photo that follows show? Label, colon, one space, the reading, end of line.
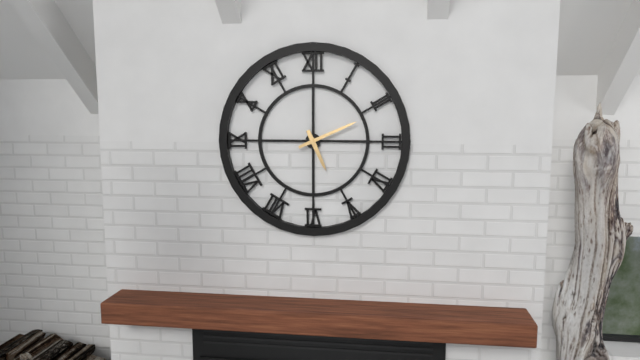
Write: 5:11
